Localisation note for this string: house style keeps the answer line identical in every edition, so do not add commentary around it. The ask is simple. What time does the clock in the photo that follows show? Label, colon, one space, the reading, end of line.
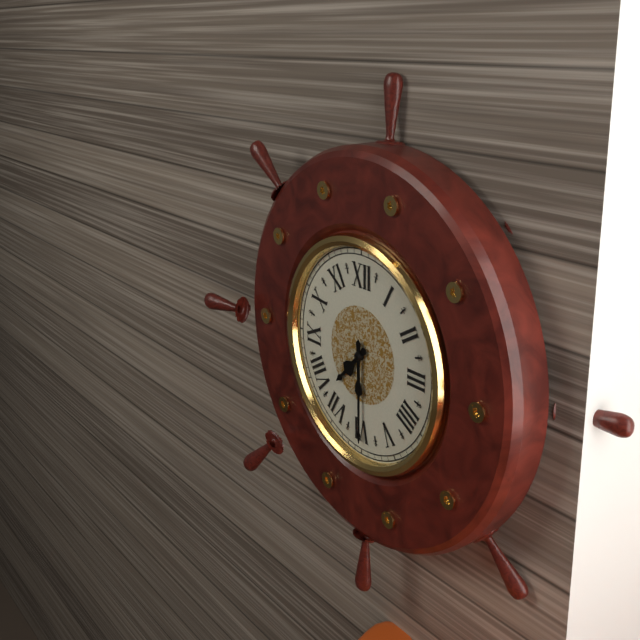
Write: 7:30
